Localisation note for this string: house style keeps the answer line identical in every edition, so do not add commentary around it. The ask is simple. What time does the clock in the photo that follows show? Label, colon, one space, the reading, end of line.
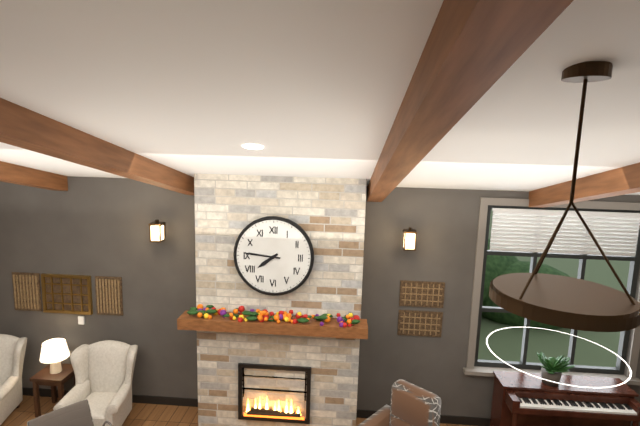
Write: 7:46
